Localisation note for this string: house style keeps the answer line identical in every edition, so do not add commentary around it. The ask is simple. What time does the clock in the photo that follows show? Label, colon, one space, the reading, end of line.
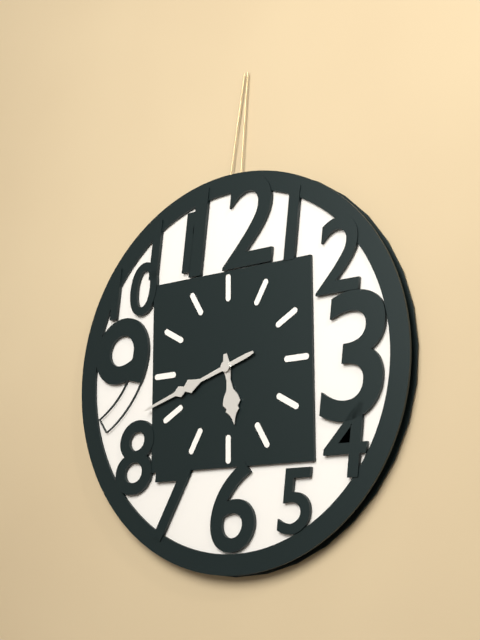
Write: 5:42
